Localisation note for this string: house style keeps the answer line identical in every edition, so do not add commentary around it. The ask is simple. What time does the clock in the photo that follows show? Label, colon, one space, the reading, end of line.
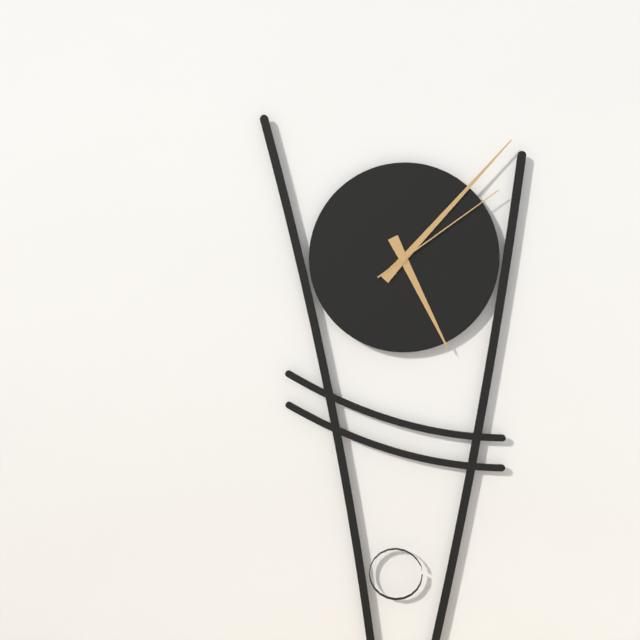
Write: 5:07:09
